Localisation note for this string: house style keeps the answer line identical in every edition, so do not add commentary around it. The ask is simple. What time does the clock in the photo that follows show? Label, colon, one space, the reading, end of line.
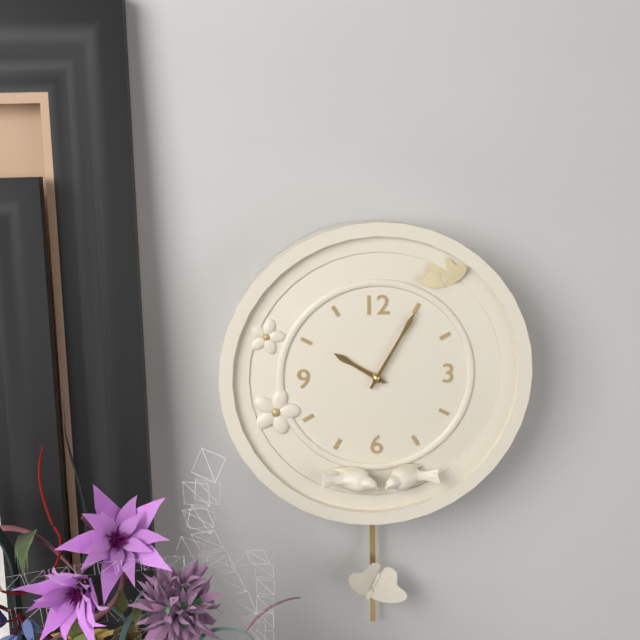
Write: 10:05
